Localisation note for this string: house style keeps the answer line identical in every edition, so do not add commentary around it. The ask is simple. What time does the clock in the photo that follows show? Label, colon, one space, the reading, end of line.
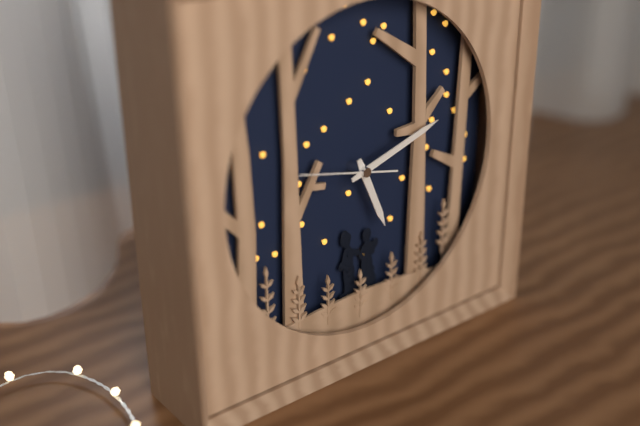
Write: 5:12:47
